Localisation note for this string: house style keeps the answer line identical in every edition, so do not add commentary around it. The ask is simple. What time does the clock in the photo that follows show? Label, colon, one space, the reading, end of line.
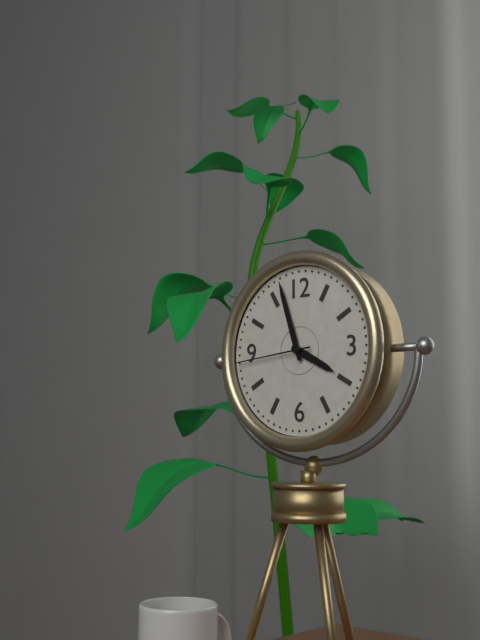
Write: 3:57:44
